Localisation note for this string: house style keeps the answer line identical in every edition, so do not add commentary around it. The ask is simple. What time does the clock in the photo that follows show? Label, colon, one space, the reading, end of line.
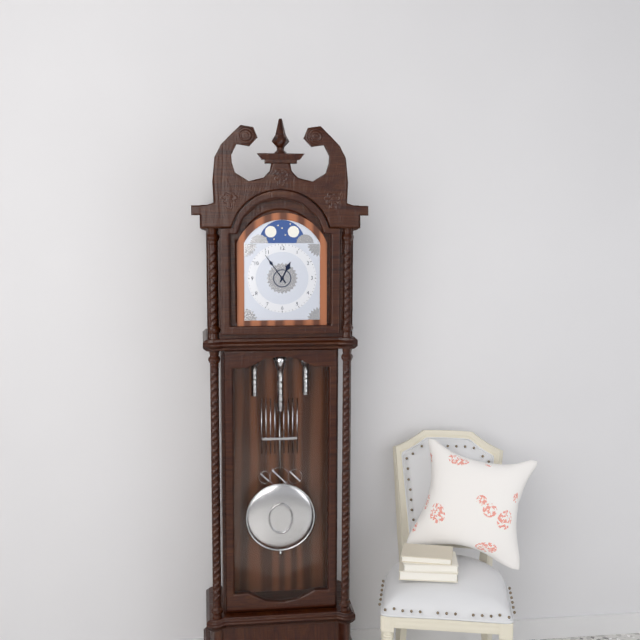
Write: 12:54
